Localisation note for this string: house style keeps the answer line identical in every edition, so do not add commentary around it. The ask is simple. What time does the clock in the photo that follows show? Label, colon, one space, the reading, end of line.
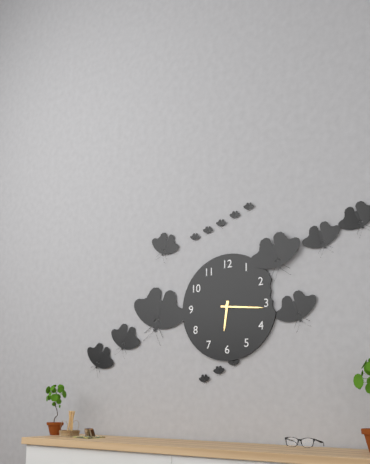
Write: 6:16
